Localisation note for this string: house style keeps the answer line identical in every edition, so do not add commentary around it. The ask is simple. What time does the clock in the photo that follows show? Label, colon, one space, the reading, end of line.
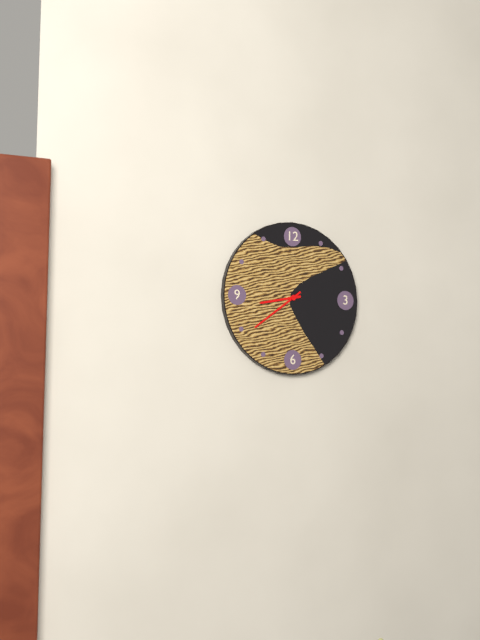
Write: 8:39
